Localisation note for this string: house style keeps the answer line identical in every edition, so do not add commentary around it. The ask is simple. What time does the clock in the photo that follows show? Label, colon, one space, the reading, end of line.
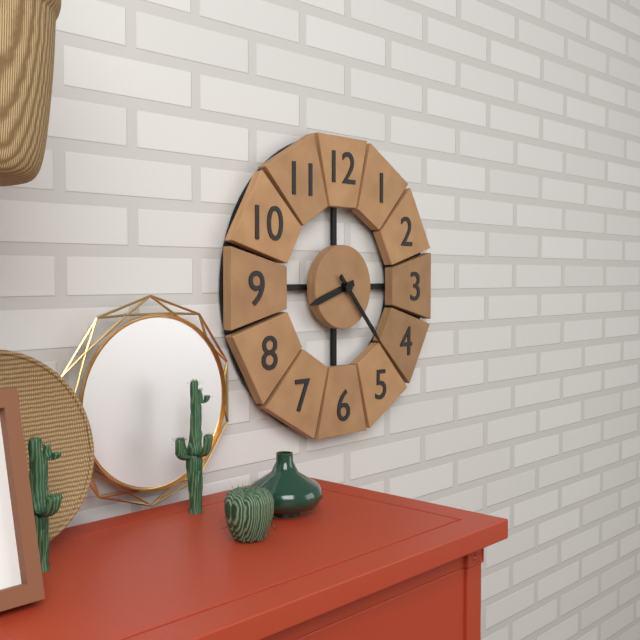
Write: 8:23
